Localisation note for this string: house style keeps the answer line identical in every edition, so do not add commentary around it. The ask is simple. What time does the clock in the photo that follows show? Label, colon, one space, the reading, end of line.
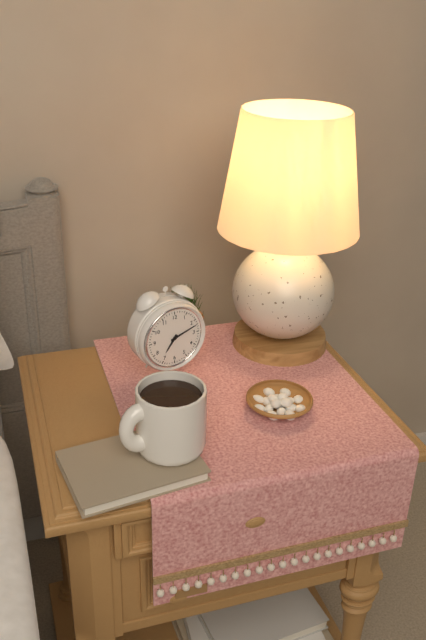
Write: 7:12
